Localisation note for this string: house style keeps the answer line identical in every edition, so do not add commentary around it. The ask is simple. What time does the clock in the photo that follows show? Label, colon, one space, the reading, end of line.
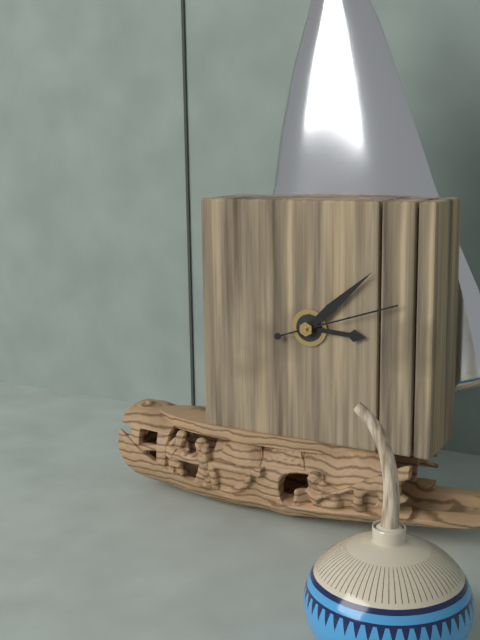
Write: 3:08:12
